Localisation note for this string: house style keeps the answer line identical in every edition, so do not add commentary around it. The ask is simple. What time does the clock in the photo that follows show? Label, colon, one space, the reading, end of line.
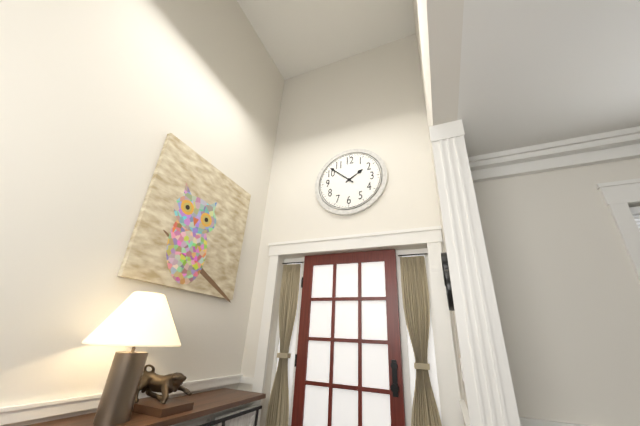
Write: 1:52
